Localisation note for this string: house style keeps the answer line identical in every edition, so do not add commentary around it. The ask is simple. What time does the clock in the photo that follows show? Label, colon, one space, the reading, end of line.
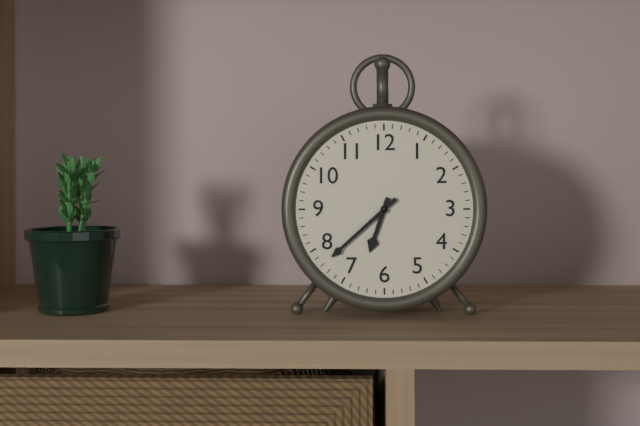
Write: 6:38
